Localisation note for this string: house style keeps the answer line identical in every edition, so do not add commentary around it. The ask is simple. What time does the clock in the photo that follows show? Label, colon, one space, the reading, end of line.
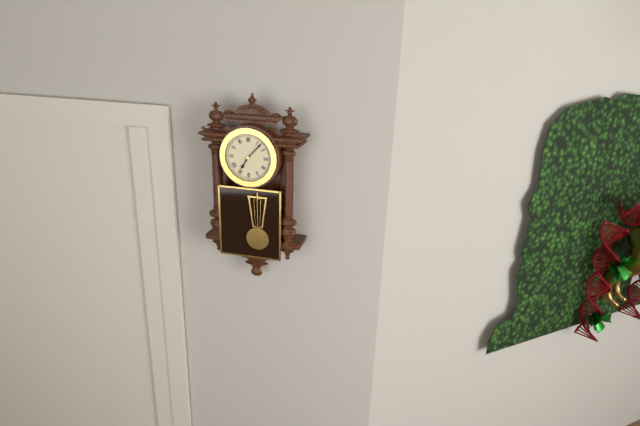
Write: 7:07
